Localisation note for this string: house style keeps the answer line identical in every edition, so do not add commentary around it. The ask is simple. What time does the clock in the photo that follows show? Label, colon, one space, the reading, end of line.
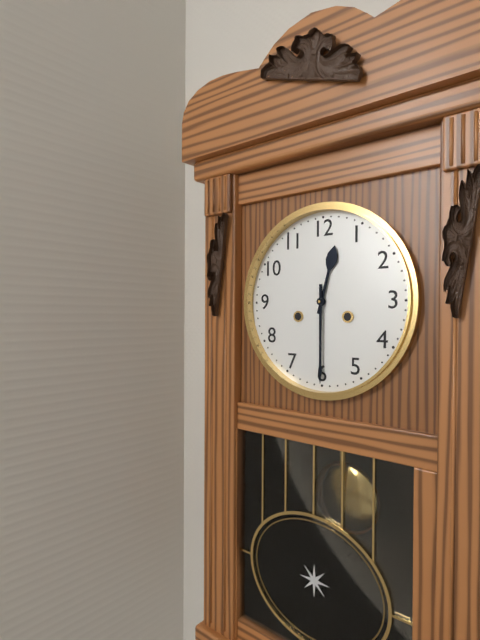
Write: 12:30
